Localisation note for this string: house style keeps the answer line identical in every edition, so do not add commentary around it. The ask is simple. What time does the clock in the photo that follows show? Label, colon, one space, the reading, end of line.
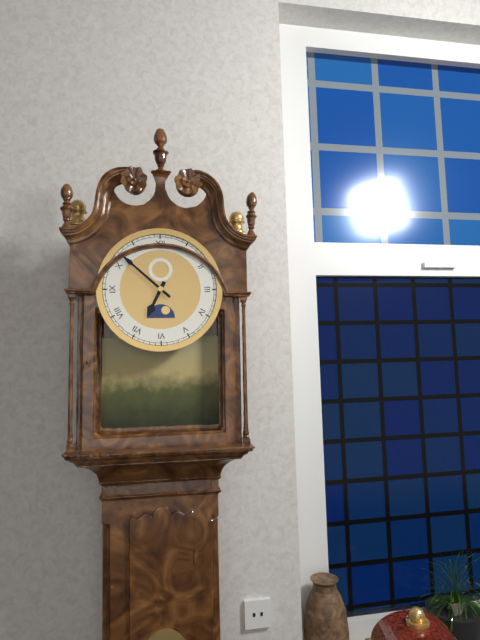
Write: 6:52
